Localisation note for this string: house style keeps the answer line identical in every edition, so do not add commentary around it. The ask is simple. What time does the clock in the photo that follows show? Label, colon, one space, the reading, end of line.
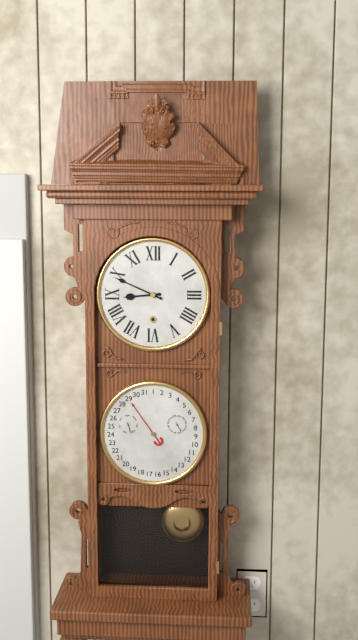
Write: 8:49
